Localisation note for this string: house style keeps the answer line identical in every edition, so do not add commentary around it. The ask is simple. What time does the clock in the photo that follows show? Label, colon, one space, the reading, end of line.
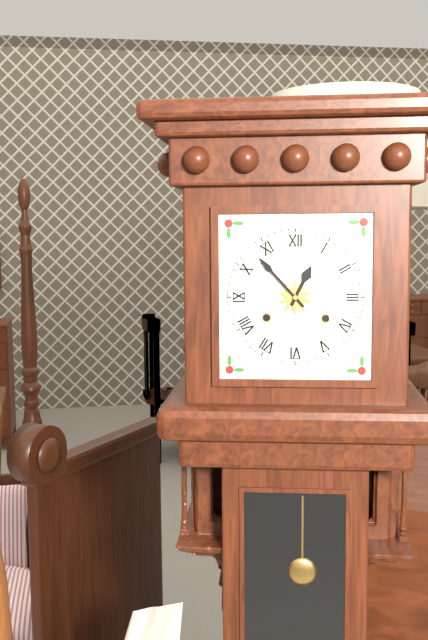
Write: 12:53
